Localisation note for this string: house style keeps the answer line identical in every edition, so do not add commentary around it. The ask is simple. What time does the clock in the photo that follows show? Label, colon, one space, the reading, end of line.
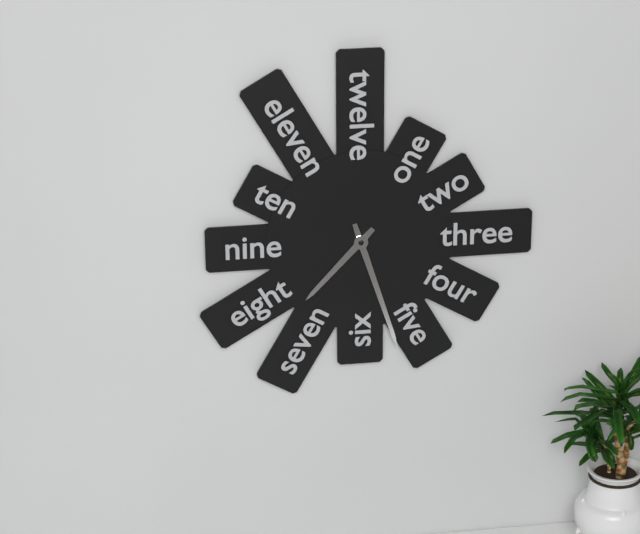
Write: 7:27
